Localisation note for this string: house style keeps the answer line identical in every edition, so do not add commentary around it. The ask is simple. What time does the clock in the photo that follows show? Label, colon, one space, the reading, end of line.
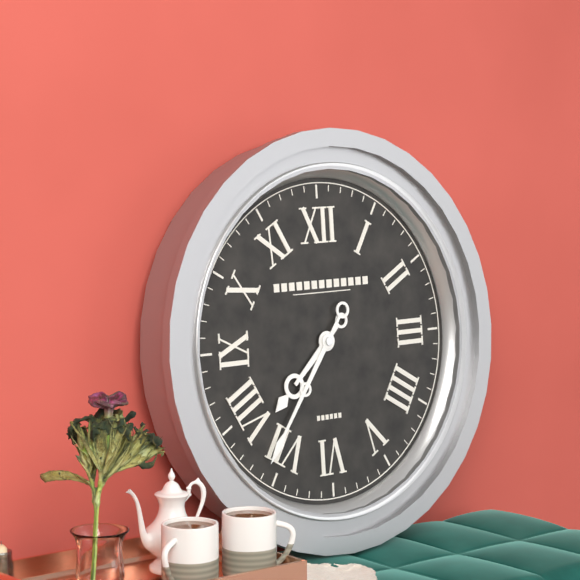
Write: 7:36
